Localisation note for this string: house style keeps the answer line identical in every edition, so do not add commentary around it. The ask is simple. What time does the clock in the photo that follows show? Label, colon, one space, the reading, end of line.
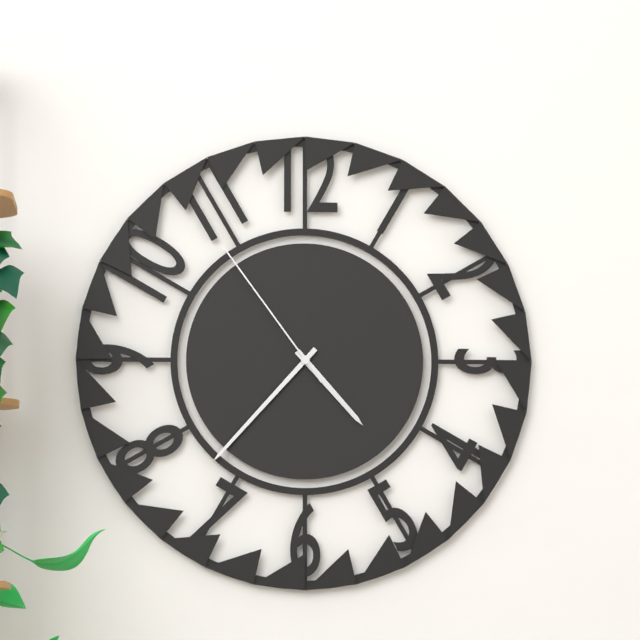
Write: 4:37:54
